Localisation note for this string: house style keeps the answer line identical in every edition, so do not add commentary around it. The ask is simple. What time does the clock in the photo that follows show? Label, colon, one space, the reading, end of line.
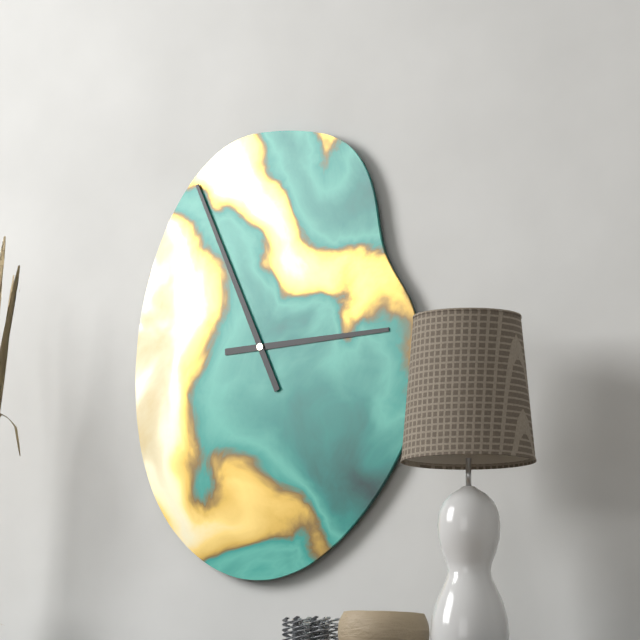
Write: 2:56
